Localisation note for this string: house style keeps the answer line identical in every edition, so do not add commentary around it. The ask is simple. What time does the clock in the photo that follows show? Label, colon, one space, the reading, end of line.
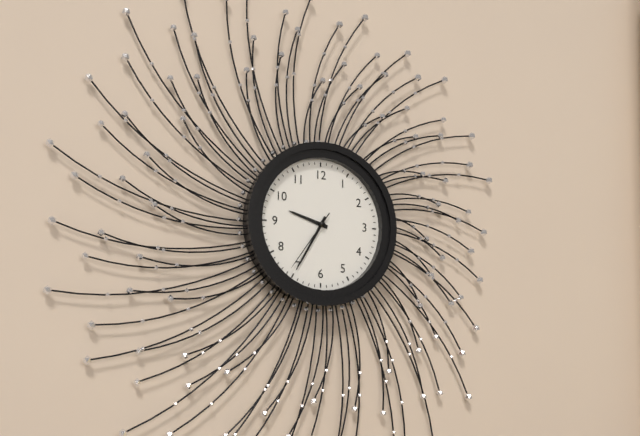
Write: 9:35:36
